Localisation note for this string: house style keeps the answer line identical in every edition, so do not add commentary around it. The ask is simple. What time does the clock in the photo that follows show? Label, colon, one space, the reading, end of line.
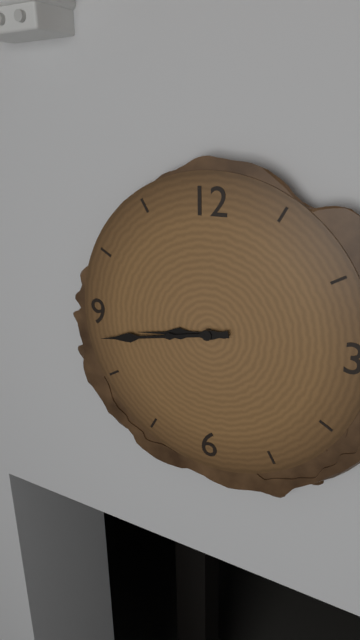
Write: 8:43
